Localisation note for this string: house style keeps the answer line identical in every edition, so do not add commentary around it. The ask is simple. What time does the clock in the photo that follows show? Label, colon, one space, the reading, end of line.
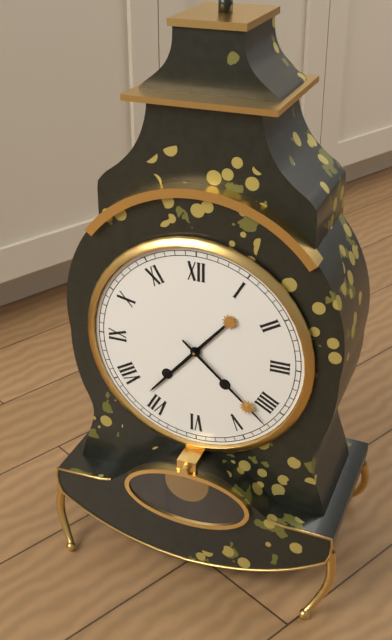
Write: 7:22
